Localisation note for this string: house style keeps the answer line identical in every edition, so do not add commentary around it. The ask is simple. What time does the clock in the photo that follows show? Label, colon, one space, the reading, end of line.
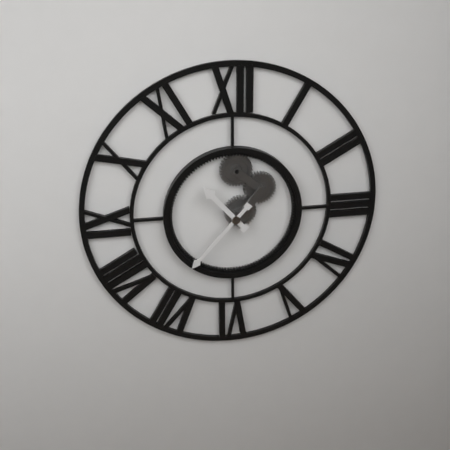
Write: 10:37
